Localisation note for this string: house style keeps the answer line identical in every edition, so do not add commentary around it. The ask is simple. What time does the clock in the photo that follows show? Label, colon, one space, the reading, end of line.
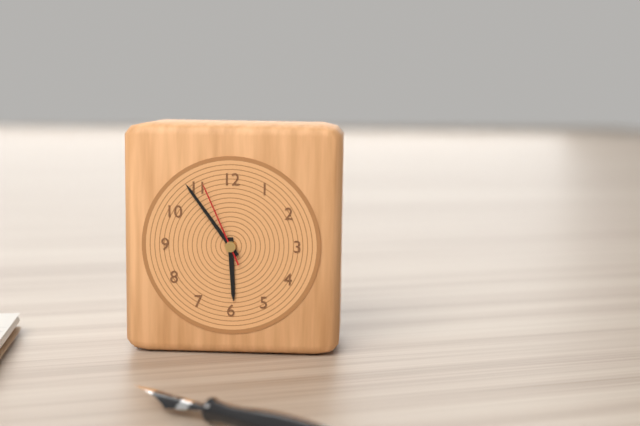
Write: 5:54:56
